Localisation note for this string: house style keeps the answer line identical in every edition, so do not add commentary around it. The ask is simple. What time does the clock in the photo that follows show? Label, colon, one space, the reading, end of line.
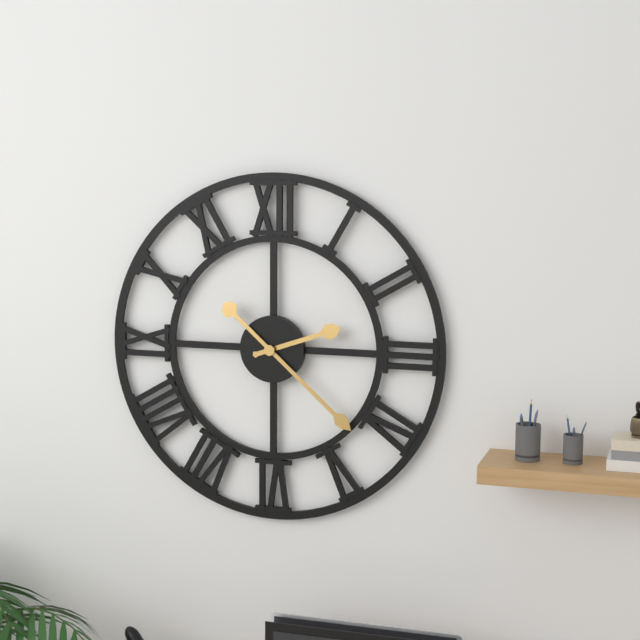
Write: 2:22
